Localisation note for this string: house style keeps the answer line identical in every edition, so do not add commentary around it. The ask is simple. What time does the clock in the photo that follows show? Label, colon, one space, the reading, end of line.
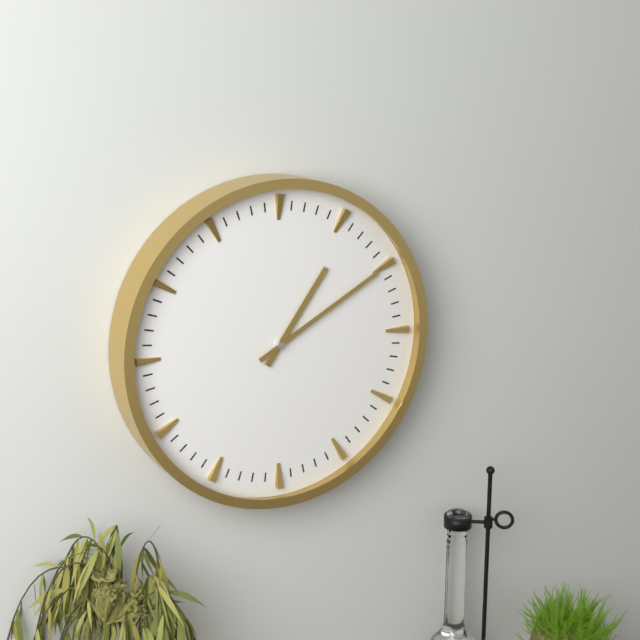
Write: 1:10
